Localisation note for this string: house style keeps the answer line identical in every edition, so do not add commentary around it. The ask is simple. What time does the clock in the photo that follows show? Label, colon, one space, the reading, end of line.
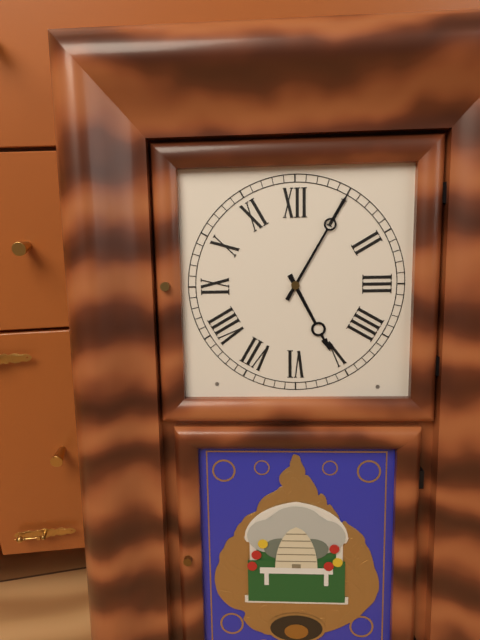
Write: 5:05
